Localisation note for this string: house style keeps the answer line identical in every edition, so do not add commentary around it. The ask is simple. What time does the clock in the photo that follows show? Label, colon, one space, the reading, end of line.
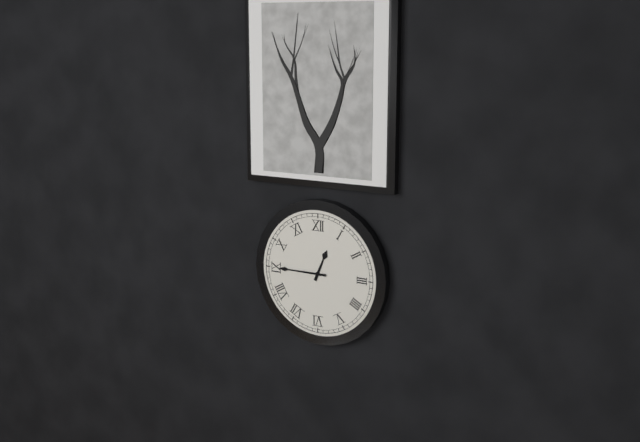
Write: 12:45
